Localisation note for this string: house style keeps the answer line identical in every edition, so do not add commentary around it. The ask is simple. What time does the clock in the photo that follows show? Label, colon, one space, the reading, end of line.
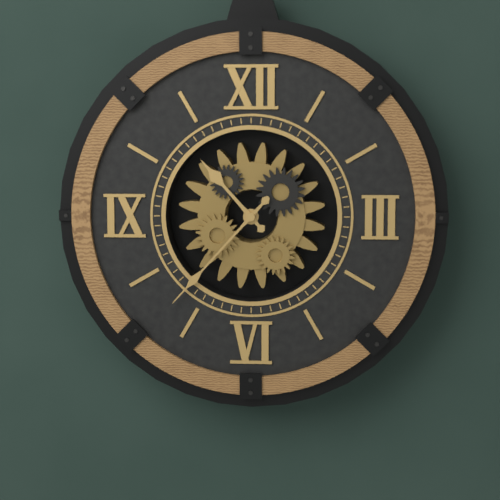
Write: 10:37
